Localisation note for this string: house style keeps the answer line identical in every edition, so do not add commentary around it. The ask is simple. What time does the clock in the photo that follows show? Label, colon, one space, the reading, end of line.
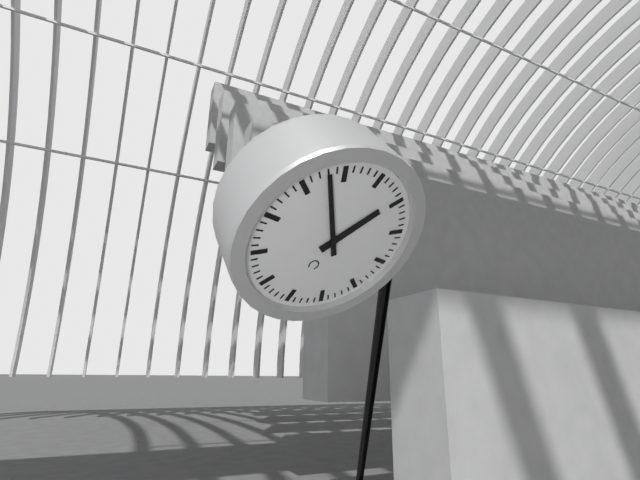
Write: 12:53
